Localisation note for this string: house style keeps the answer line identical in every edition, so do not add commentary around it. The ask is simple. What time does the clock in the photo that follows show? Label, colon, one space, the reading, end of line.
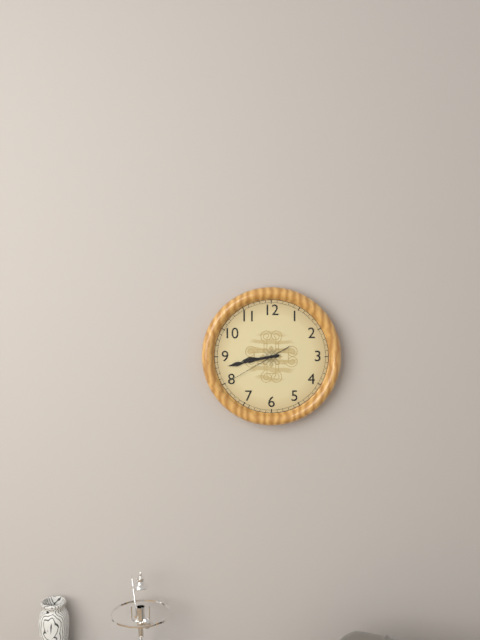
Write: 8:43:40
